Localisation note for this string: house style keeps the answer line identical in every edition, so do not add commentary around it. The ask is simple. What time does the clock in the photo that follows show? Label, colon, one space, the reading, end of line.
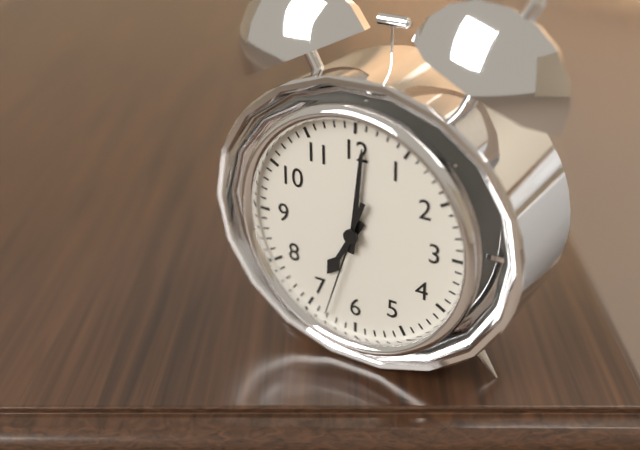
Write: 7:01:33
